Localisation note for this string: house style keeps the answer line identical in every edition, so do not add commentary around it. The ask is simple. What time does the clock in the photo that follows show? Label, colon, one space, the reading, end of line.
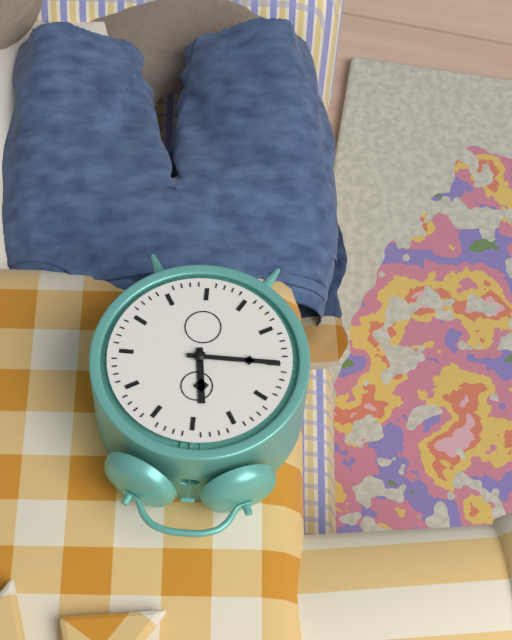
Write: 11:45
